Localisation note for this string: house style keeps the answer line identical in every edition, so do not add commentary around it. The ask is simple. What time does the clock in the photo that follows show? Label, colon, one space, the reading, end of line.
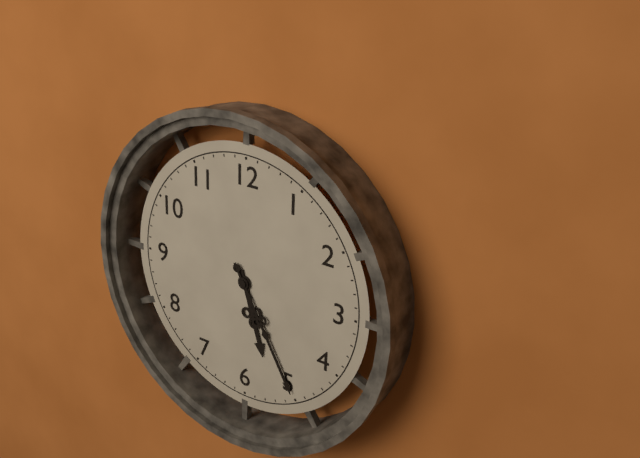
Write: 5:25
